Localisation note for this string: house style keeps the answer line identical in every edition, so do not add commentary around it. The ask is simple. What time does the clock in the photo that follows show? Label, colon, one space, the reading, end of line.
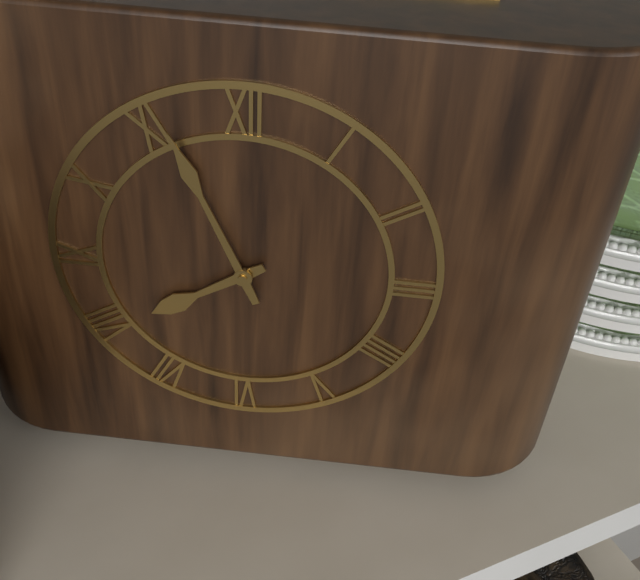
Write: 7:56
